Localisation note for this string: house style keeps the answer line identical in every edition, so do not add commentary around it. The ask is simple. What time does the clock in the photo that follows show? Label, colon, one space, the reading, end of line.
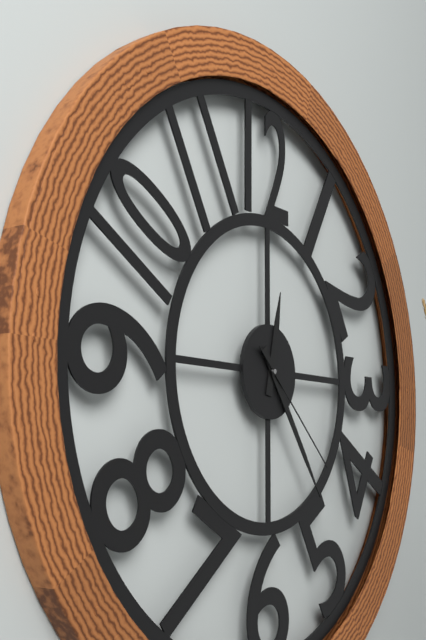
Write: 12:24:22
